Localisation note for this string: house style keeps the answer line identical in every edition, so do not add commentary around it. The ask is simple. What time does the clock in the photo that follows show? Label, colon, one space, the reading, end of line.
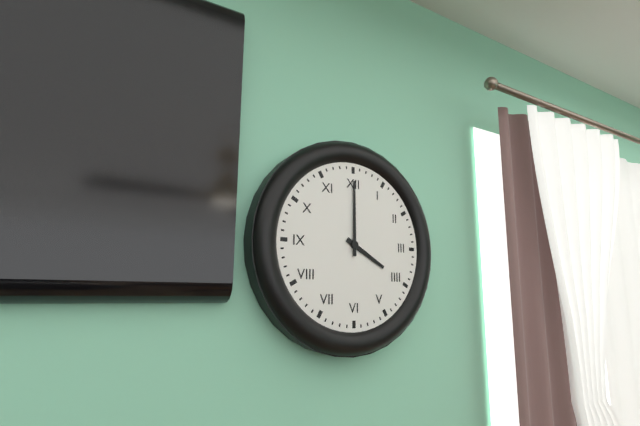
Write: 4:00
